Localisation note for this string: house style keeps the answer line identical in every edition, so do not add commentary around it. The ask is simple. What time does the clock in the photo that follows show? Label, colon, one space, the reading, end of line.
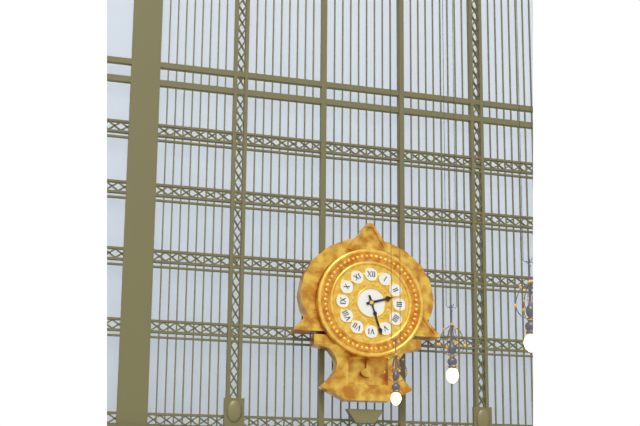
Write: 2:27
